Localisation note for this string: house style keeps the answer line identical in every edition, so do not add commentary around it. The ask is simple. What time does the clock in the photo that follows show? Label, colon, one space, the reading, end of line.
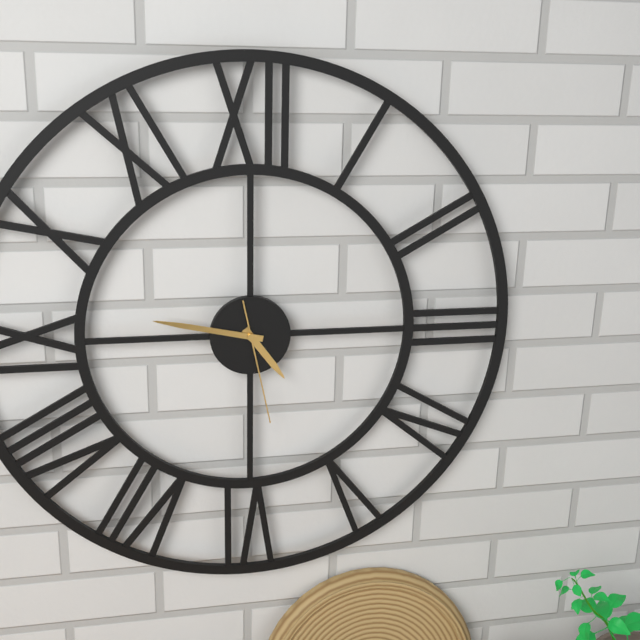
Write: 4:47:28
